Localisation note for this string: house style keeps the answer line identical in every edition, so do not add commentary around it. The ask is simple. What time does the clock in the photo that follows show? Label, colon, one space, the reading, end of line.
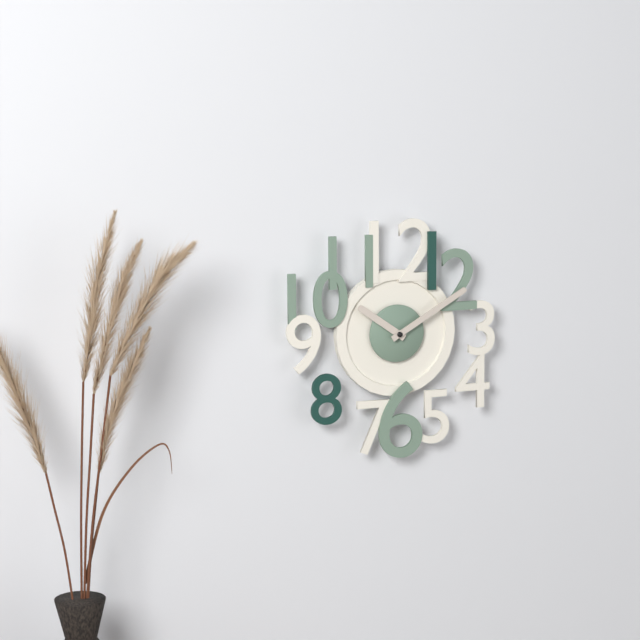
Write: 10:10
